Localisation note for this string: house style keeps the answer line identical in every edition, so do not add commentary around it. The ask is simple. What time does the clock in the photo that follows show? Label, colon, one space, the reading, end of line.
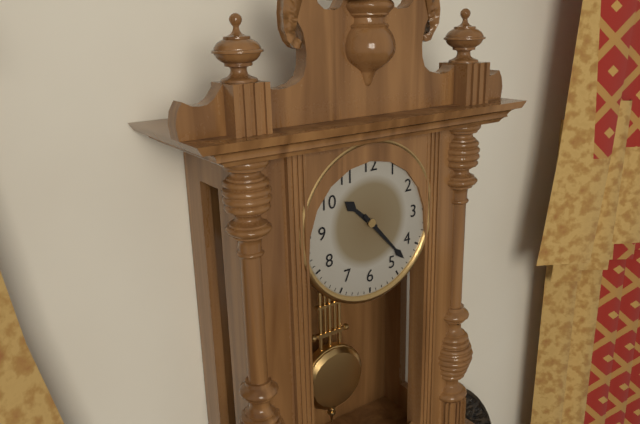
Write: 10:23
